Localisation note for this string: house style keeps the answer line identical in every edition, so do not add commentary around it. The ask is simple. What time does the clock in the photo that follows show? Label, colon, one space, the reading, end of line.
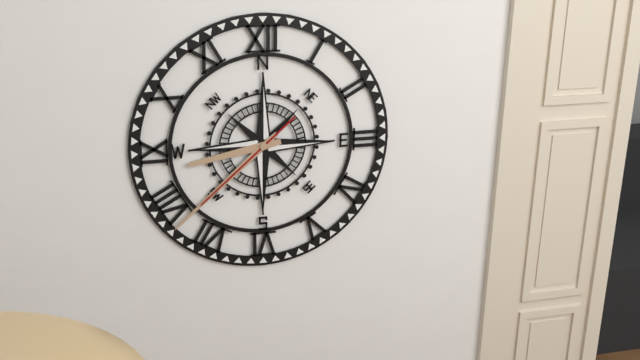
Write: 8:38:38
